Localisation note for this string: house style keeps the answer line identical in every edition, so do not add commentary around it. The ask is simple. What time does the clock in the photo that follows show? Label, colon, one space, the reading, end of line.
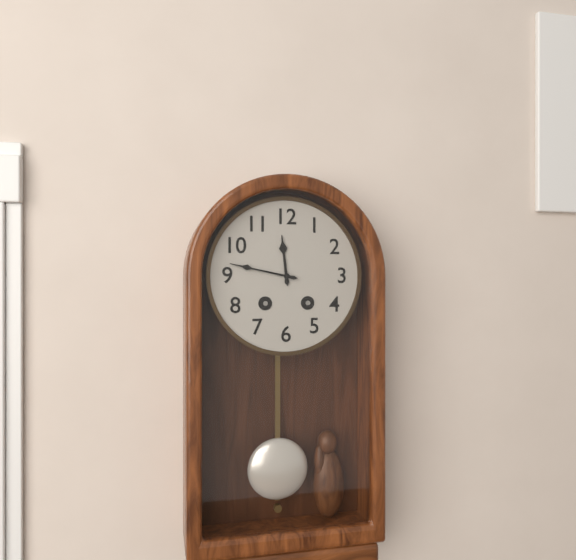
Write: 11:47
